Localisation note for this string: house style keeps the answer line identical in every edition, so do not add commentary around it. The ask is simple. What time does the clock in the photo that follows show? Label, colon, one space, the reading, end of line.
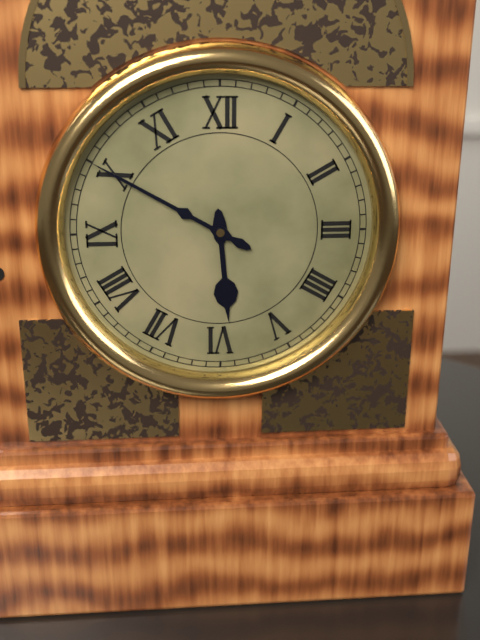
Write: 5:50
